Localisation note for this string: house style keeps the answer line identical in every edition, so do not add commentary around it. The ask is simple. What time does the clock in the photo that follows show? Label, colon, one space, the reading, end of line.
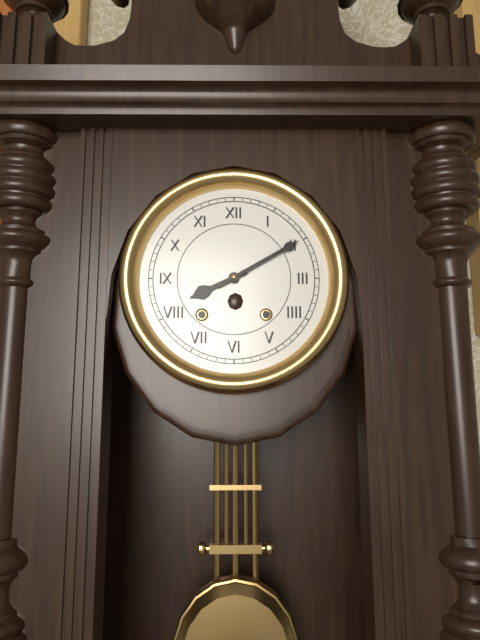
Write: 8:10
